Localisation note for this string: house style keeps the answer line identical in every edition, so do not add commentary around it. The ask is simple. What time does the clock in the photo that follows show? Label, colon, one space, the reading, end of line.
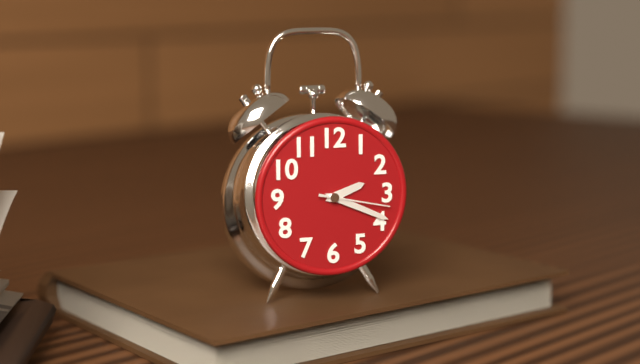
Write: 2:19:17
